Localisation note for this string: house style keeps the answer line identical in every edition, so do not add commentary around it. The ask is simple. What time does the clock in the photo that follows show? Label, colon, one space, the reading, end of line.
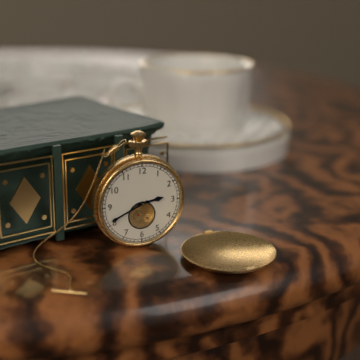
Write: 2:41
